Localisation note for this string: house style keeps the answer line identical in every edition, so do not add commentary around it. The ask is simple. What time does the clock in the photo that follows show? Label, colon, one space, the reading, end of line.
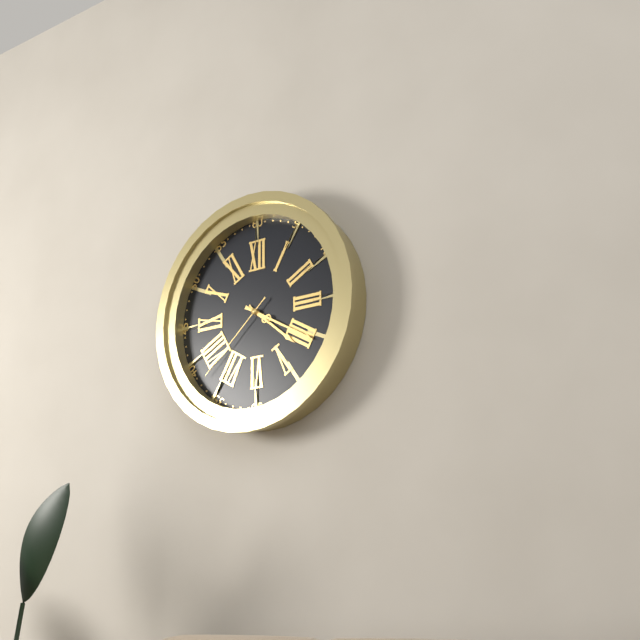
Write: 4:20:38
